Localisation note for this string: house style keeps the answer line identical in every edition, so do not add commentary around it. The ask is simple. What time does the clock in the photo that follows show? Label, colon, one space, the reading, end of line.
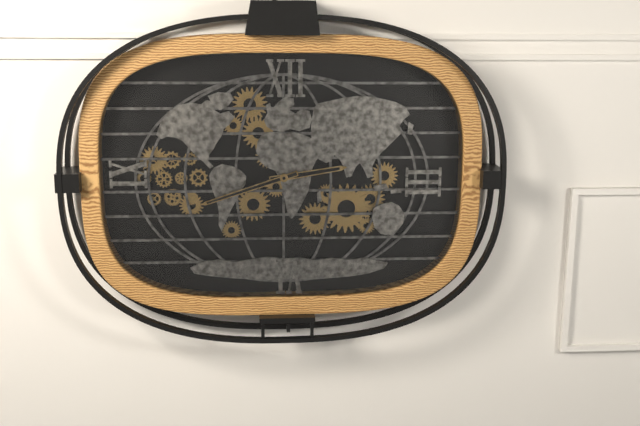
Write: 2:42
